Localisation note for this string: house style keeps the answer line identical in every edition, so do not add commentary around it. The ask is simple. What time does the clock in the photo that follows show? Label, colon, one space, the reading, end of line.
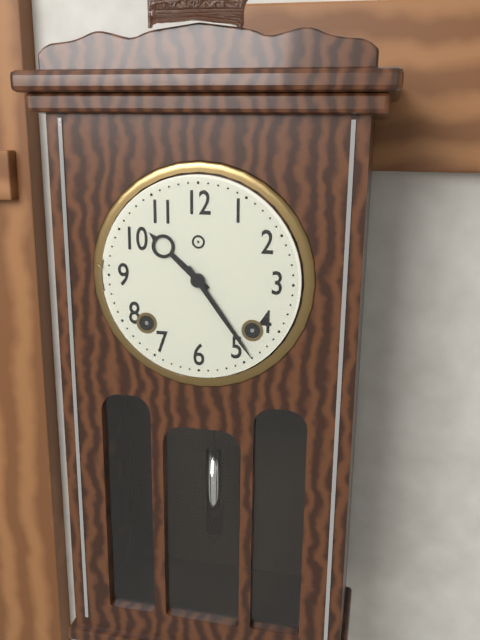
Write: 10:24
